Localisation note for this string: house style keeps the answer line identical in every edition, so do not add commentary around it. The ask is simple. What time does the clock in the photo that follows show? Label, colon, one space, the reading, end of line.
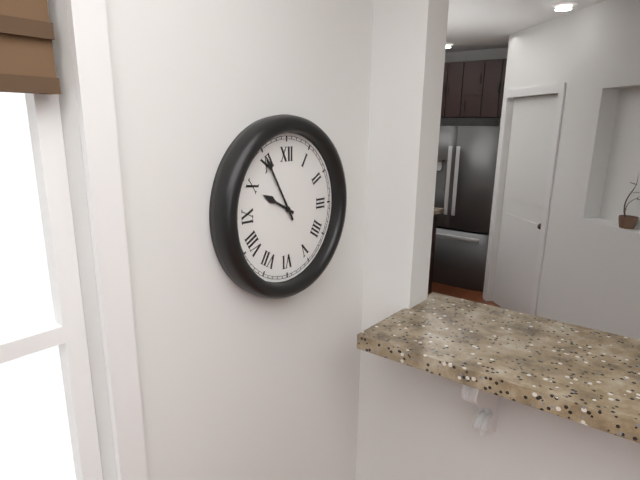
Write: 9:55
